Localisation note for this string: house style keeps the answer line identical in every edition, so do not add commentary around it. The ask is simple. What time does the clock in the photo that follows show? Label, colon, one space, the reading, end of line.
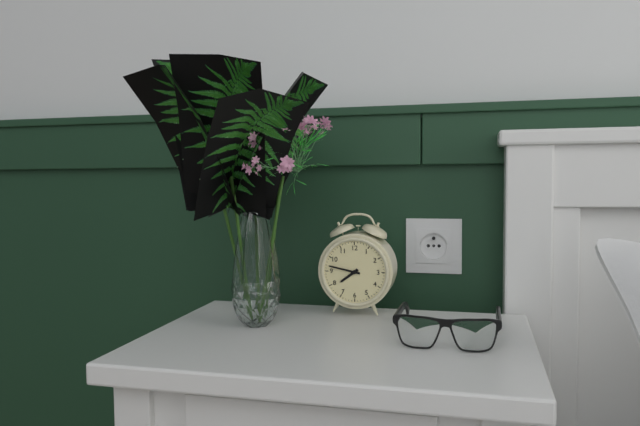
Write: 7:47
